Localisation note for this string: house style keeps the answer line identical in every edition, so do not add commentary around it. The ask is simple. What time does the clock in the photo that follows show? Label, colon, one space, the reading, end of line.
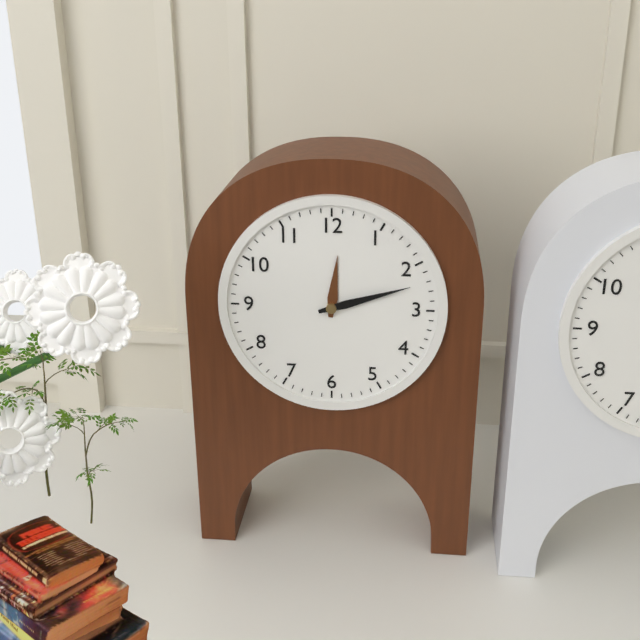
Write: 12:12
